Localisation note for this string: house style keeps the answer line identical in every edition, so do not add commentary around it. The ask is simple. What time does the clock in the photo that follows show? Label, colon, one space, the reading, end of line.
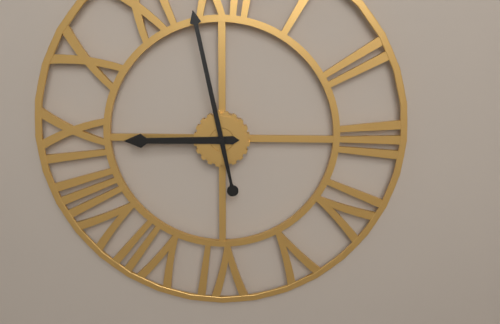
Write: 8:58
